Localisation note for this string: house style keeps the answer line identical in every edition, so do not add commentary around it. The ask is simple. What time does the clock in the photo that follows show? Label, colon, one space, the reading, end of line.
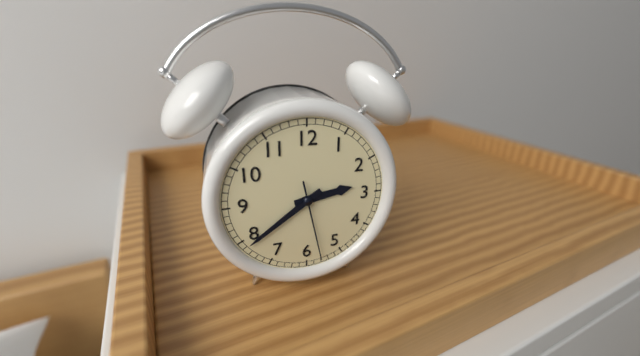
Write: 2:39:28
